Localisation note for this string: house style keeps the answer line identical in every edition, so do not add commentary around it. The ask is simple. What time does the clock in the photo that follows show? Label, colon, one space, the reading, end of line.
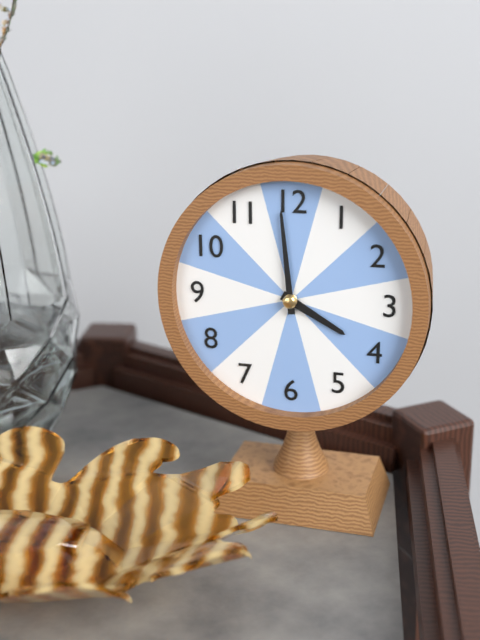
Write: 3:59
